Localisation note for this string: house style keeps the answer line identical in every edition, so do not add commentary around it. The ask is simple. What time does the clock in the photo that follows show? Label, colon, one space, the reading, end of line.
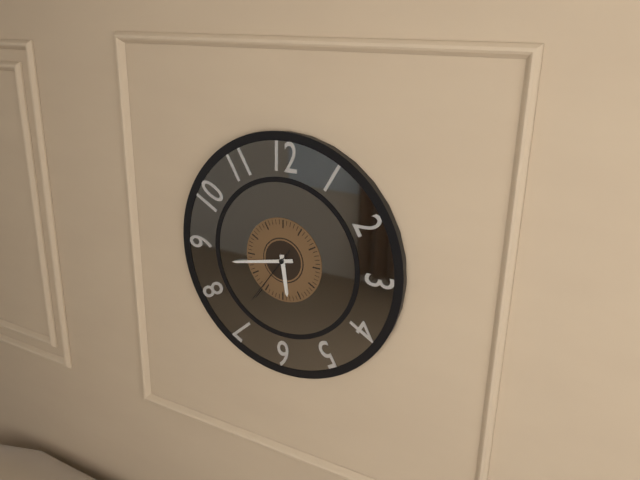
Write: 5:43:36
